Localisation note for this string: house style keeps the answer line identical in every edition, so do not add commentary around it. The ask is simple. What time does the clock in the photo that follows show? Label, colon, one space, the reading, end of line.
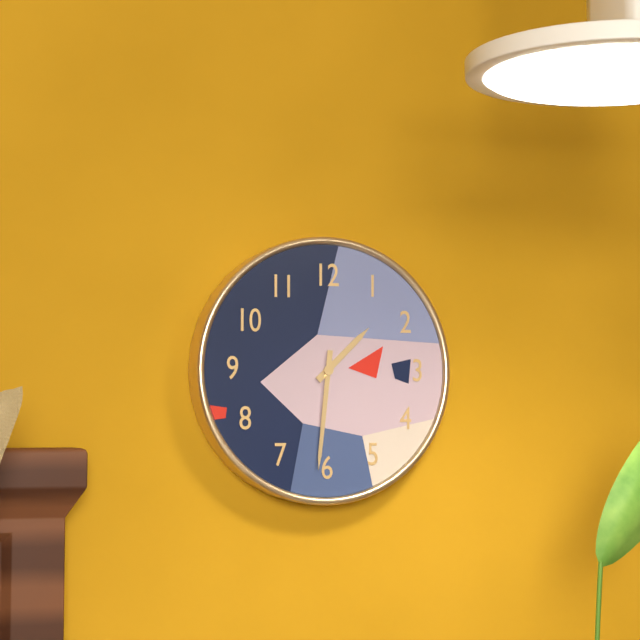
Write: 1:31
